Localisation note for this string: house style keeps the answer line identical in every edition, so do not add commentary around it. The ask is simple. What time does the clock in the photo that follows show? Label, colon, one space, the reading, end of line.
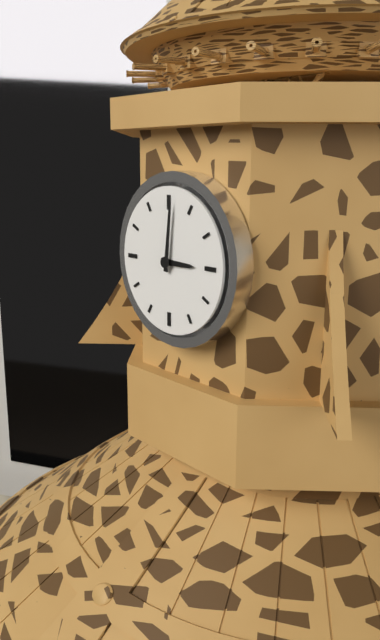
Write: 3:01
